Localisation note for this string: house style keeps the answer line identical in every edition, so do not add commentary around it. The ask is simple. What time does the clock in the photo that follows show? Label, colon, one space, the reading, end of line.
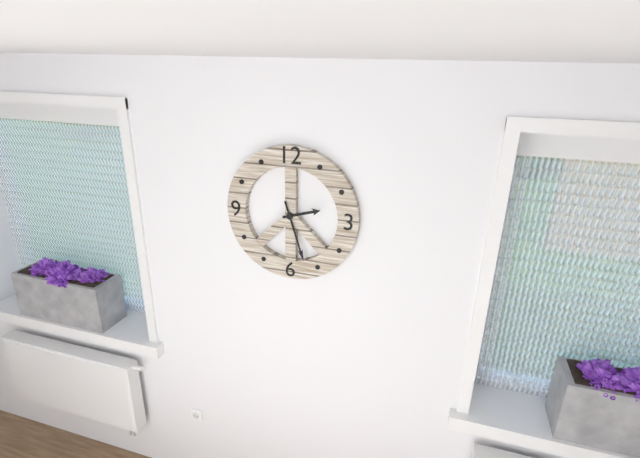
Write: 2:27
